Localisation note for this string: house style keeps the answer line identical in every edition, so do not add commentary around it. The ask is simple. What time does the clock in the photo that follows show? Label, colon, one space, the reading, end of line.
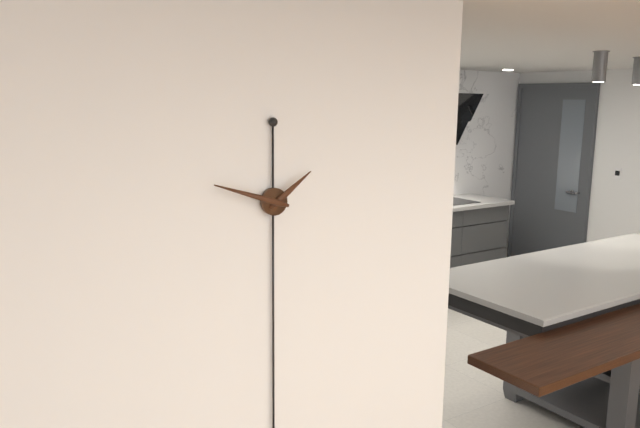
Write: 1:48
